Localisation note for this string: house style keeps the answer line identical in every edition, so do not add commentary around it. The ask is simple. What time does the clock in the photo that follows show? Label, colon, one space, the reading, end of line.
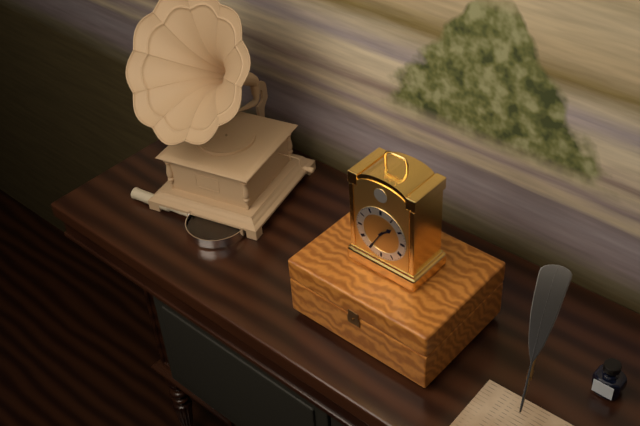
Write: 1:35
